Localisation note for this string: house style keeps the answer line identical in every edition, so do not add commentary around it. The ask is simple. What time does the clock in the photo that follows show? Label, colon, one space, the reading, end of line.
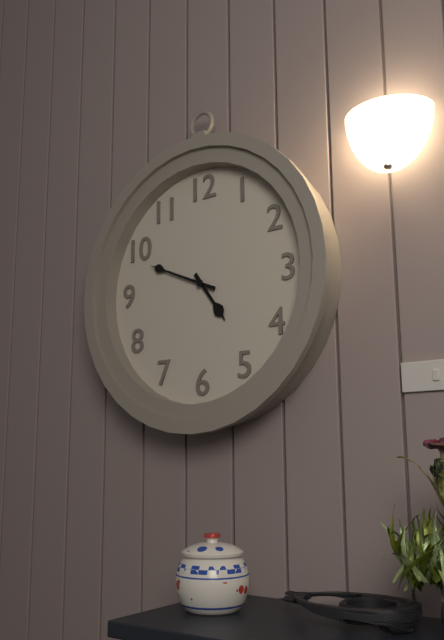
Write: 4:49
